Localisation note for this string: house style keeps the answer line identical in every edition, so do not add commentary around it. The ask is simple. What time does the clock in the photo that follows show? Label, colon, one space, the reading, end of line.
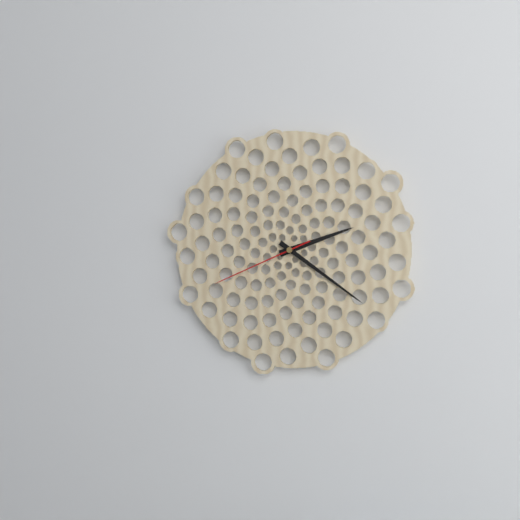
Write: 2:21:41
